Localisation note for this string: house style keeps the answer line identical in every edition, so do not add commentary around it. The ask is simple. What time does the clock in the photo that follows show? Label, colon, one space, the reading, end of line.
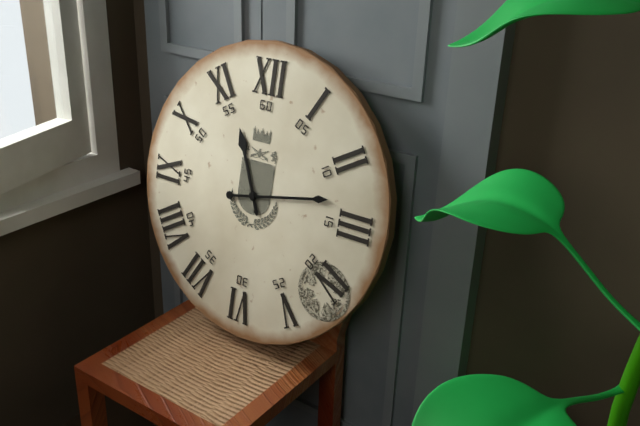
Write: 11:13
